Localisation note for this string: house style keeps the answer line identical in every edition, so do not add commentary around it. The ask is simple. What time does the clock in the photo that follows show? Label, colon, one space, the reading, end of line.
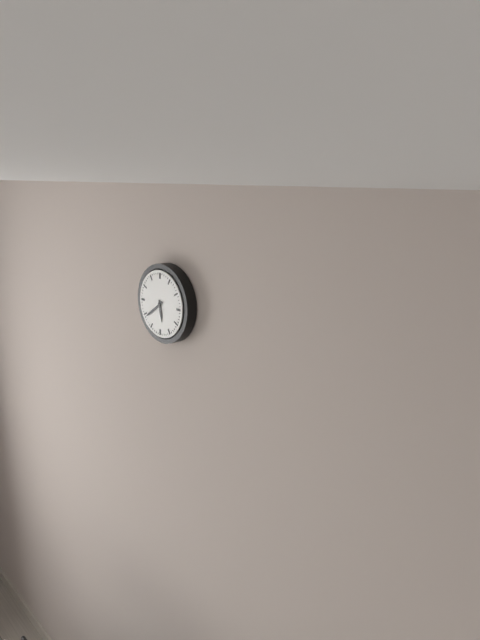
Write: 5:39
